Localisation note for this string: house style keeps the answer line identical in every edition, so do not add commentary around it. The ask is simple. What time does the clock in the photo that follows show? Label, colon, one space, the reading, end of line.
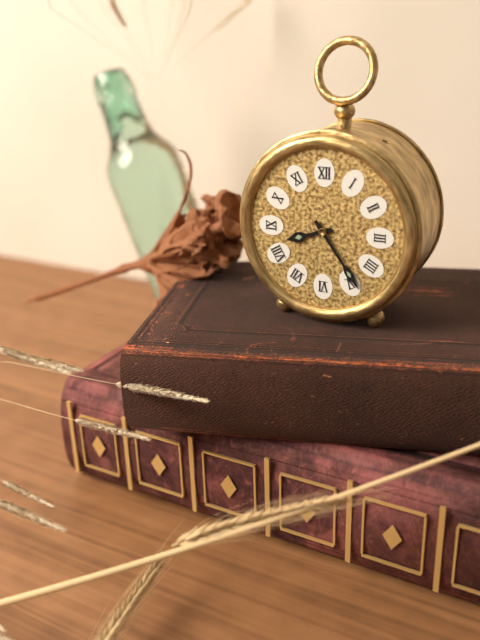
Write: 8:24
